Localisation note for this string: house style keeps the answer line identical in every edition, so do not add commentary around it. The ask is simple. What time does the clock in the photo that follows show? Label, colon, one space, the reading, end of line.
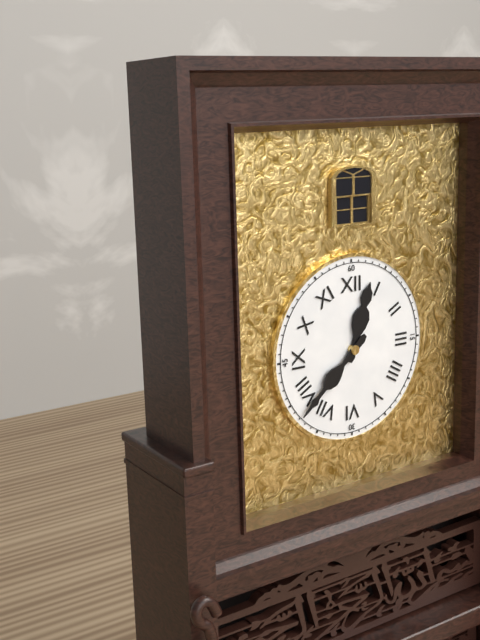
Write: 12:38
